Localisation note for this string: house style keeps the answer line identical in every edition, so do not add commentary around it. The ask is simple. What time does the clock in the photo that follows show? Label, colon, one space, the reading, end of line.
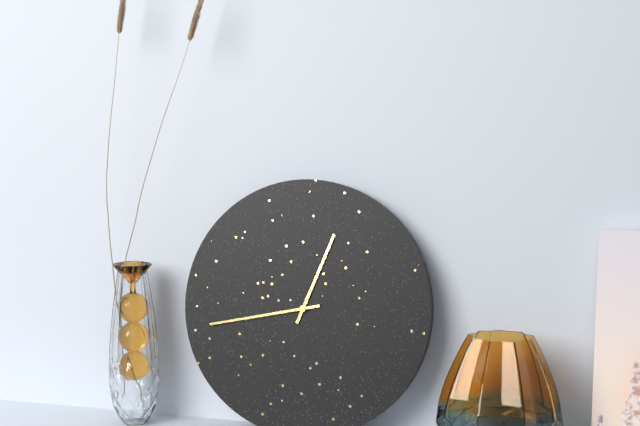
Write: 12:43
